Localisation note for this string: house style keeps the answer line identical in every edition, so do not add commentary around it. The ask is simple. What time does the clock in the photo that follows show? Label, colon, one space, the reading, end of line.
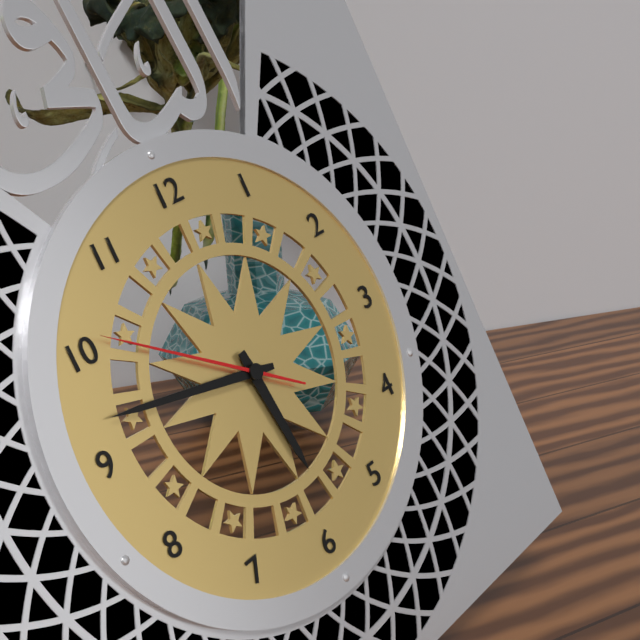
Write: 5:47:51
